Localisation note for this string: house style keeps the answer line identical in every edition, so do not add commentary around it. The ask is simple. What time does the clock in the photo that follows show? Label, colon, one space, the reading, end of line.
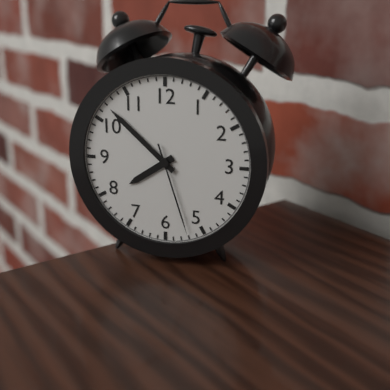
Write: 7:52:27
